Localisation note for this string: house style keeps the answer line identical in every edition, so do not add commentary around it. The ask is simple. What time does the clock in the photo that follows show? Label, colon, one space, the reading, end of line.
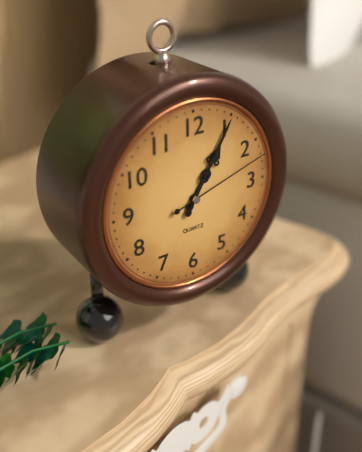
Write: 1:05:12
